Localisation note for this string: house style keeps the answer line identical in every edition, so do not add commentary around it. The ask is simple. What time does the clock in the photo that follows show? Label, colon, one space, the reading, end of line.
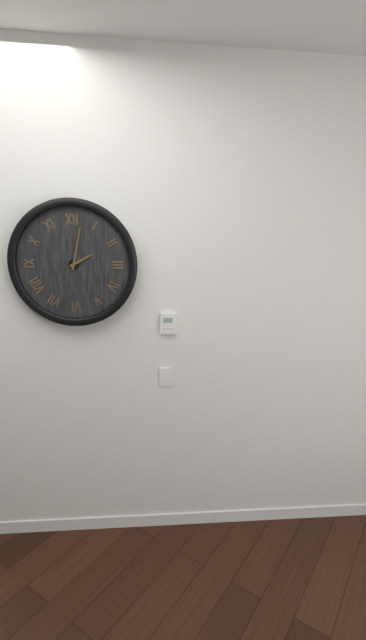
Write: 2:02
